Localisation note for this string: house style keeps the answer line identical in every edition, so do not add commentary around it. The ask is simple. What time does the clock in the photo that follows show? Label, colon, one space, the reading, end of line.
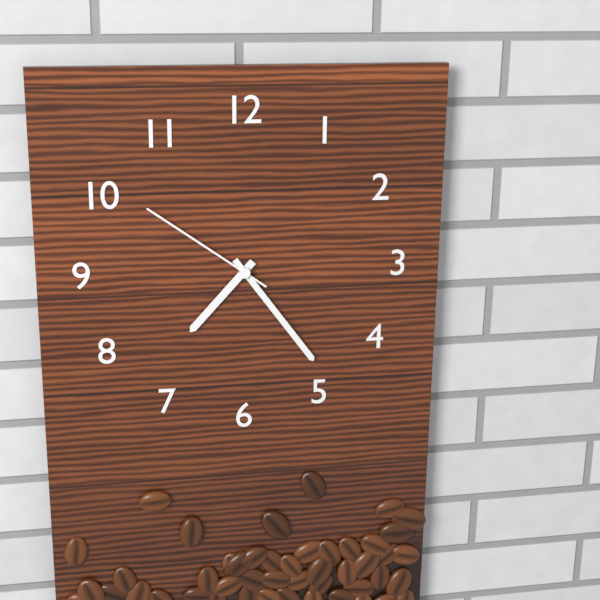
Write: 7:24:51
